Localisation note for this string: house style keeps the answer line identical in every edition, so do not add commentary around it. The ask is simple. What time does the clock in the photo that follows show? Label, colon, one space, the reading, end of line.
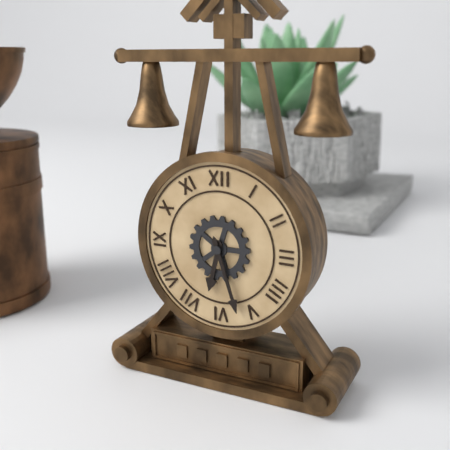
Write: 6:27
